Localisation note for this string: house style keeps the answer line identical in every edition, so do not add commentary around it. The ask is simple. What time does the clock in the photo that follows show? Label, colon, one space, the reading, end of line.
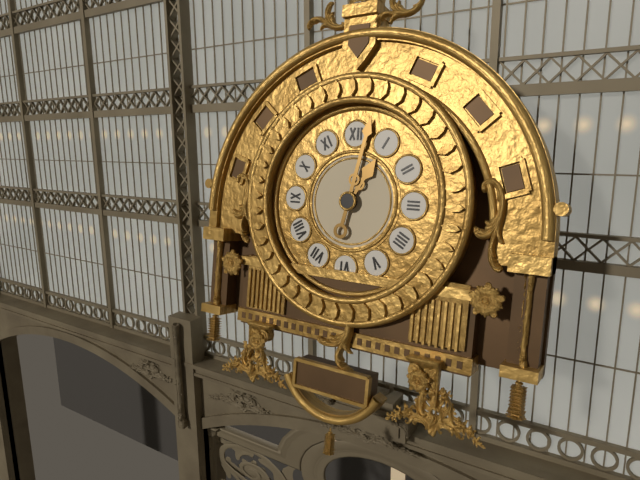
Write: 1:02
